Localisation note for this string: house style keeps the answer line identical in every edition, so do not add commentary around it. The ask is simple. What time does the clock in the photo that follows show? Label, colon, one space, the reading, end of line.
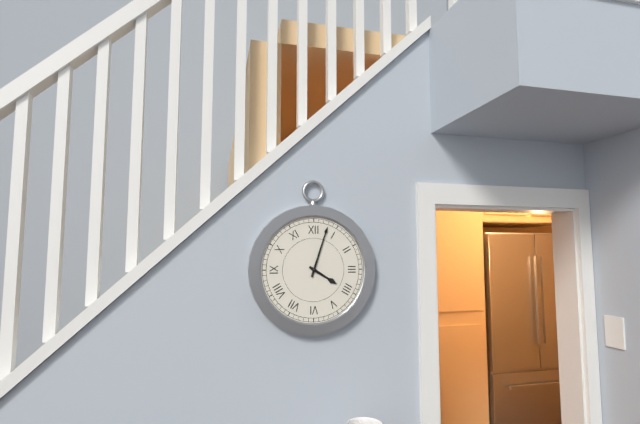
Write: 4:03
